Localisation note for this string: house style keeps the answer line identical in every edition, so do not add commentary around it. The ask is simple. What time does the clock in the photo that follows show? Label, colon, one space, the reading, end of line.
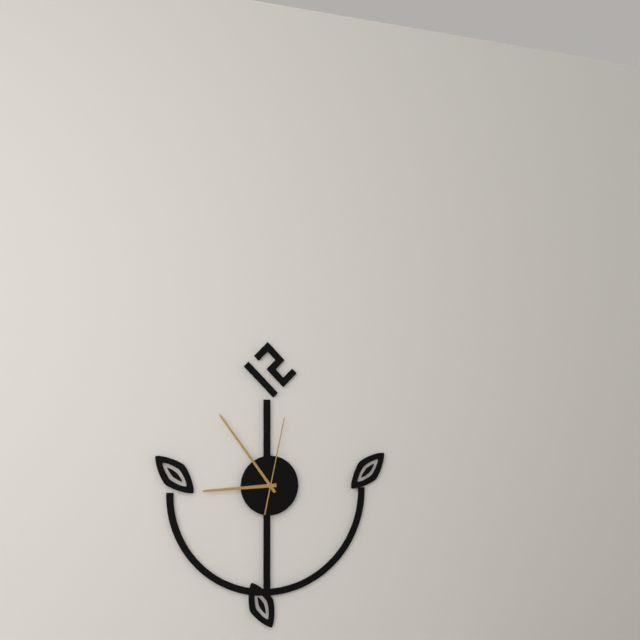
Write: 8:54:02
